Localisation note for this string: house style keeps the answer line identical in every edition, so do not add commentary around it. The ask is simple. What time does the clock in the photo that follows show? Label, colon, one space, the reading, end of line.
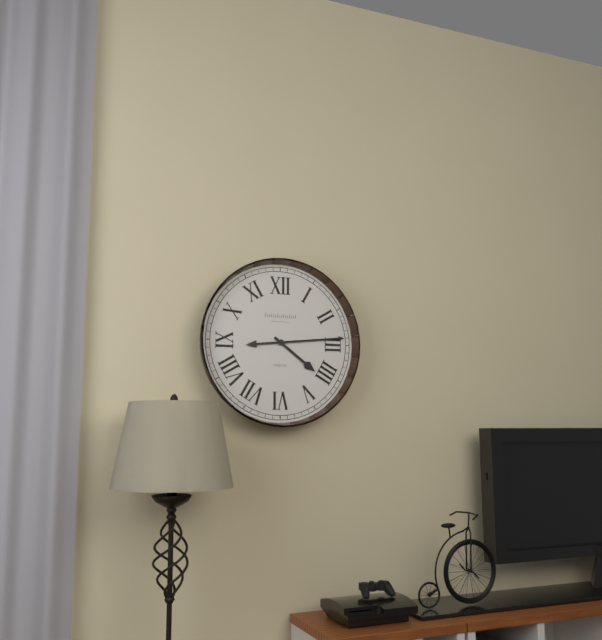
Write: 4:14
